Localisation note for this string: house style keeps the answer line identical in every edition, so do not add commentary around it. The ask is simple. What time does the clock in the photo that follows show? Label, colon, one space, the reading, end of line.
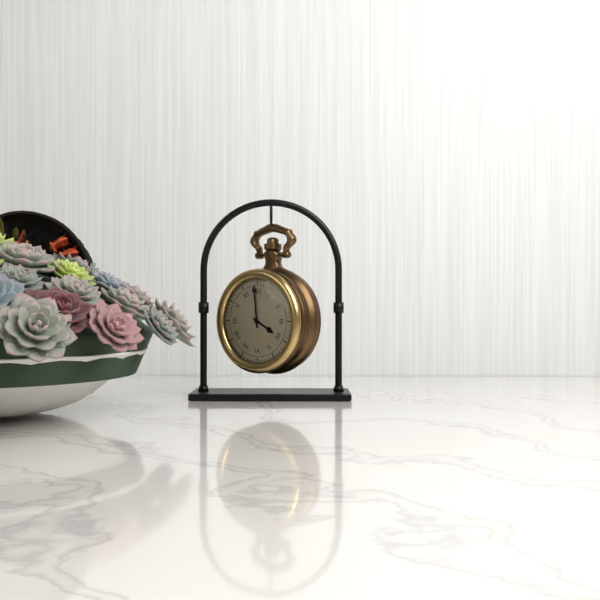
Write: 3:59
